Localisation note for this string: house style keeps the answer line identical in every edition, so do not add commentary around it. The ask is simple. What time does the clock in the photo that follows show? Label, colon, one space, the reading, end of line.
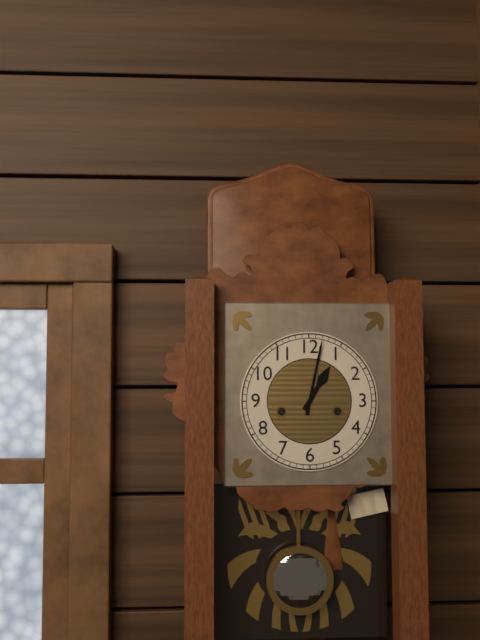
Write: 1:02
